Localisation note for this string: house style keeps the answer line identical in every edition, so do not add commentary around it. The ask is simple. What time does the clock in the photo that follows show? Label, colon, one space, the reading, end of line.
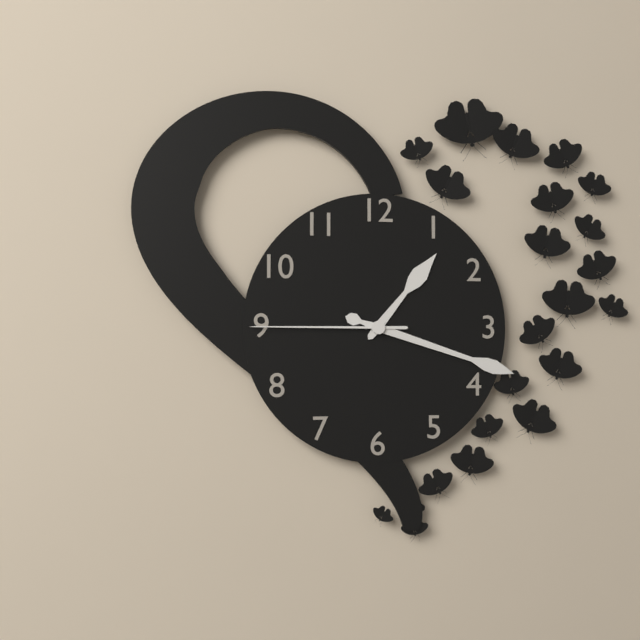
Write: 1:18:45
